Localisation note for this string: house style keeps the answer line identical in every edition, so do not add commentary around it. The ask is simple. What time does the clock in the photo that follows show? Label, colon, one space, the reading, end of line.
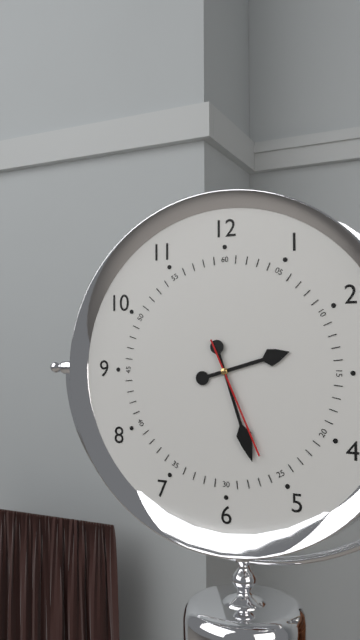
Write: 2:27:26
